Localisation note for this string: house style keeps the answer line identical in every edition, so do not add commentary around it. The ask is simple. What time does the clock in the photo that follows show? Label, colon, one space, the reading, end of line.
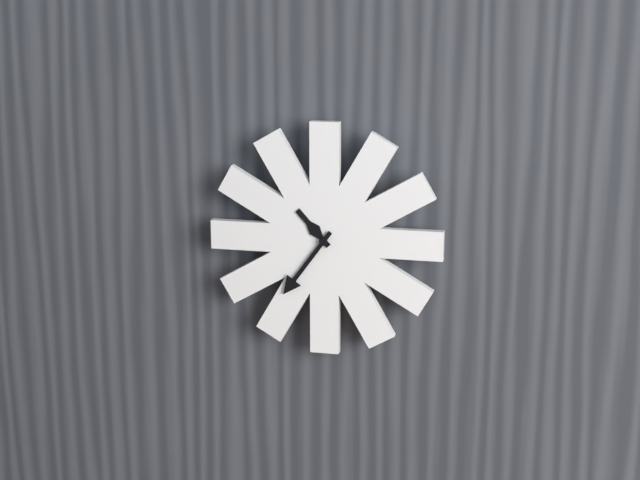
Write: 10:36
